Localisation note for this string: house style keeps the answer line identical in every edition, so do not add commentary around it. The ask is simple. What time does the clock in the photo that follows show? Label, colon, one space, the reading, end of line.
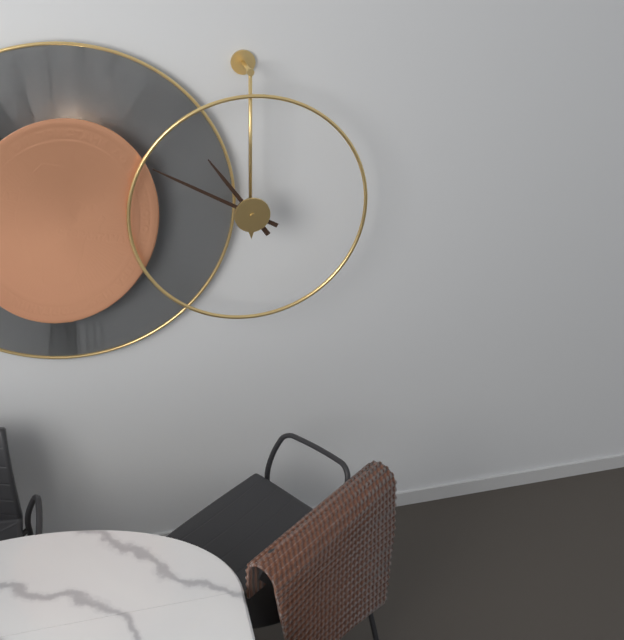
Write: 10:50
